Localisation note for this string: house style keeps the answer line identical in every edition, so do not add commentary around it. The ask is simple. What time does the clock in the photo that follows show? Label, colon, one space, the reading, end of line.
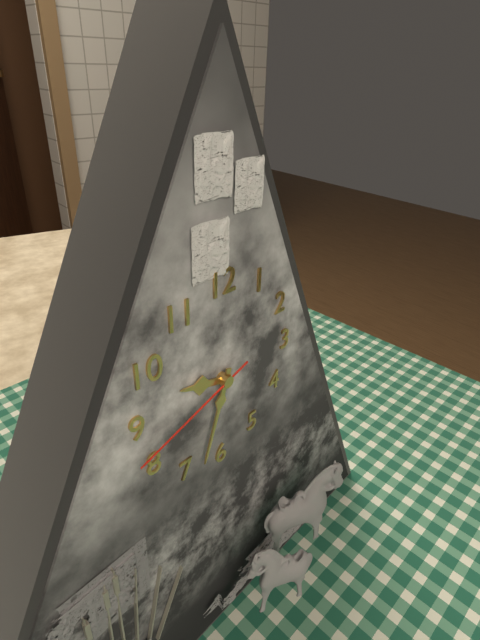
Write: 9:33:42
